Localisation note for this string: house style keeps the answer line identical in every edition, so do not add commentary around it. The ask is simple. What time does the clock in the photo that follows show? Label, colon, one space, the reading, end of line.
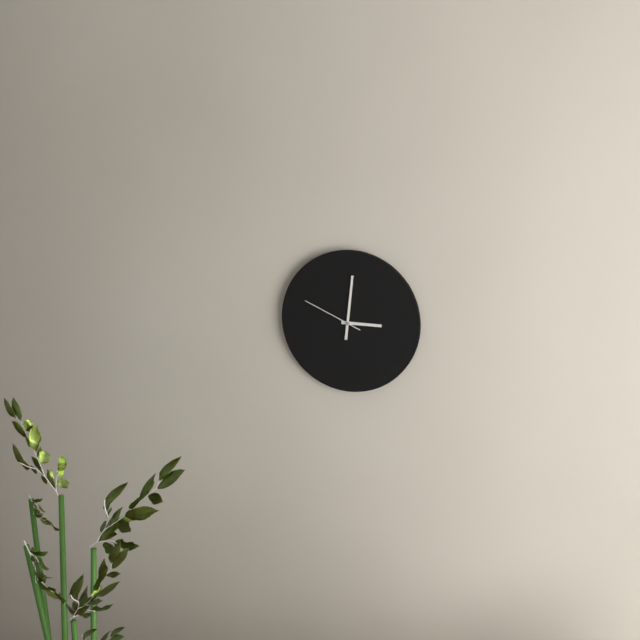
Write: 3:01:49
